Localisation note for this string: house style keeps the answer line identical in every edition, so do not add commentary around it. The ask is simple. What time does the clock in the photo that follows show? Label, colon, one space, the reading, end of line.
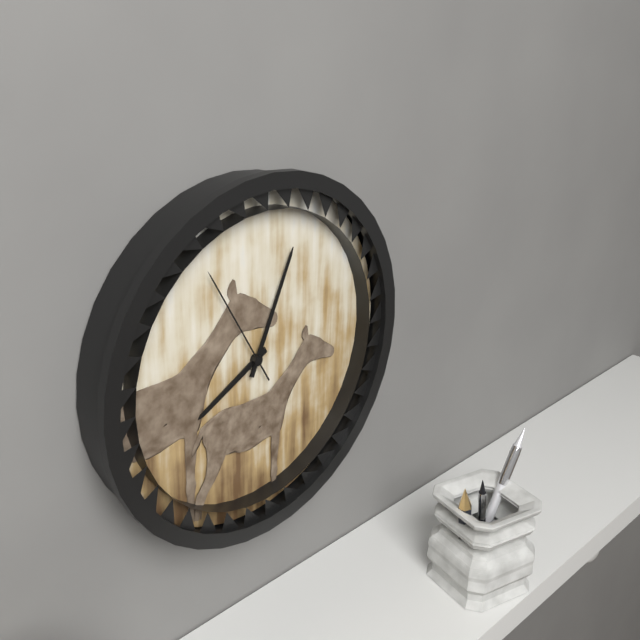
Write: 8:04:55
